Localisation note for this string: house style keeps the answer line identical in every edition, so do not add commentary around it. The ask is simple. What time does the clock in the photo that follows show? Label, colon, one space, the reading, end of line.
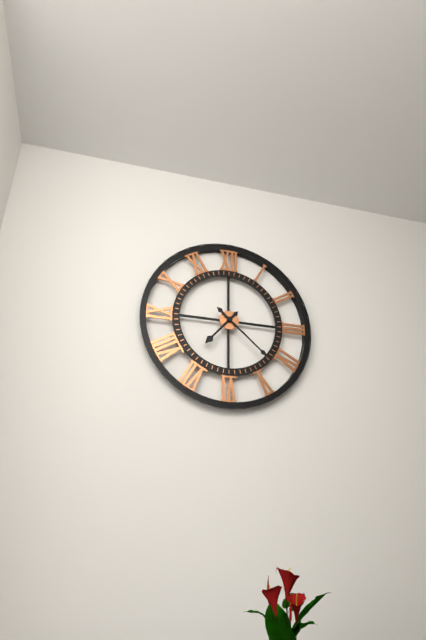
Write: 7:22
